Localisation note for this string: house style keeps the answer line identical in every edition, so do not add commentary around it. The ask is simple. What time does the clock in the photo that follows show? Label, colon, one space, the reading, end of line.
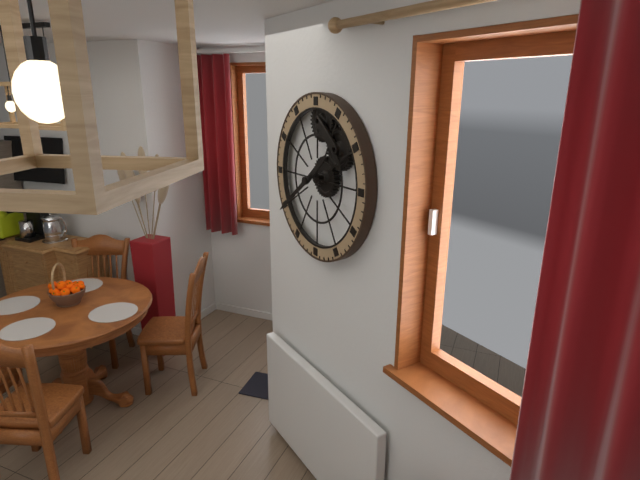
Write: 1:39
